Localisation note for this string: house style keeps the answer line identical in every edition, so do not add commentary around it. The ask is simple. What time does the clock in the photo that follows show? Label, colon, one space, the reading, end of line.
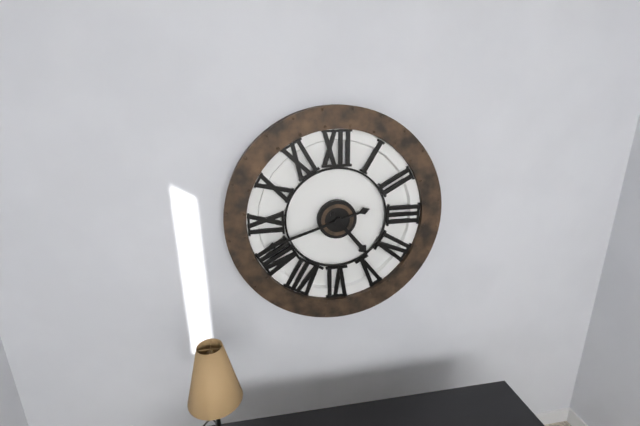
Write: 4:42
